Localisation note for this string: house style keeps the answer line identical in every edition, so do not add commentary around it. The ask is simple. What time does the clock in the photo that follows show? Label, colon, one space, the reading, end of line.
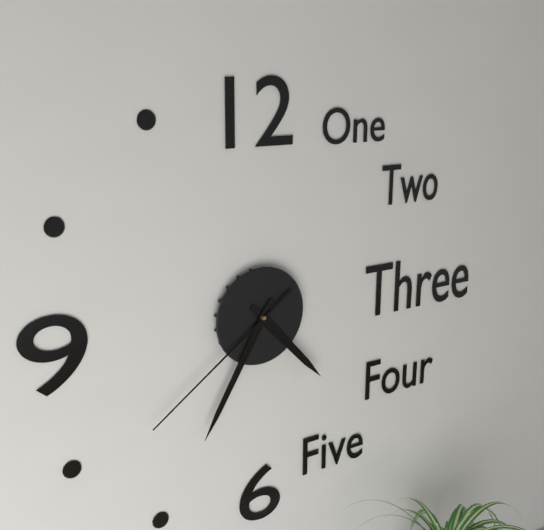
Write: 4:35:39
